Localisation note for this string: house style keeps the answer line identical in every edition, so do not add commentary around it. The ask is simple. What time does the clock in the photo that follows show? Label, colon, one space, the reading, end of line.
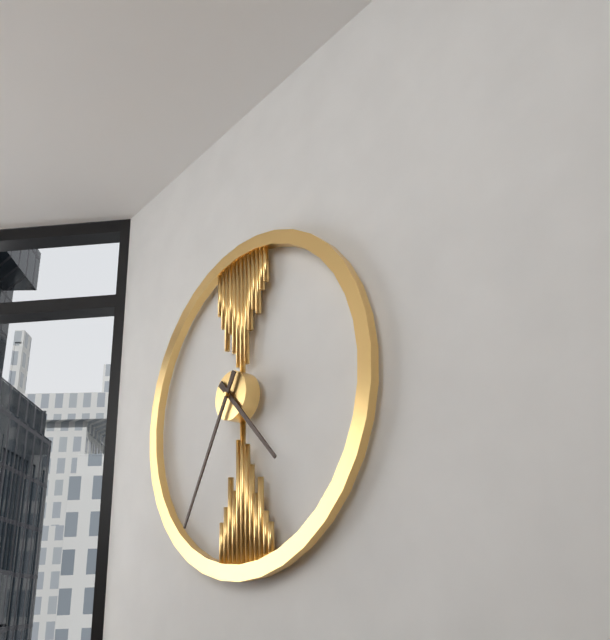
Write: 4:35
